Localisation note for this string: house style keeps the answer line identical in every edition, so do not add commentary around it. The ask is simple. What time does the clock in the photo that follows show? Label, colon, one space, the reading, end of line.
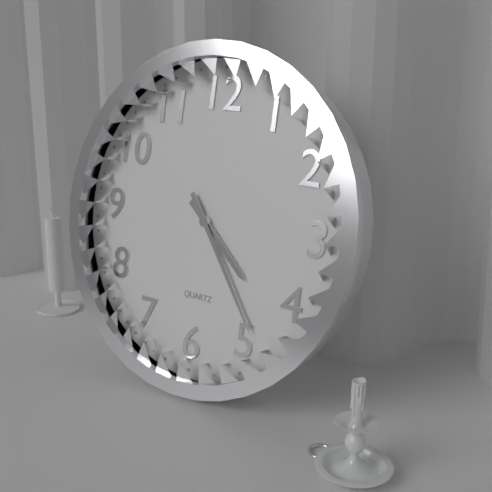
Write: 4:24
